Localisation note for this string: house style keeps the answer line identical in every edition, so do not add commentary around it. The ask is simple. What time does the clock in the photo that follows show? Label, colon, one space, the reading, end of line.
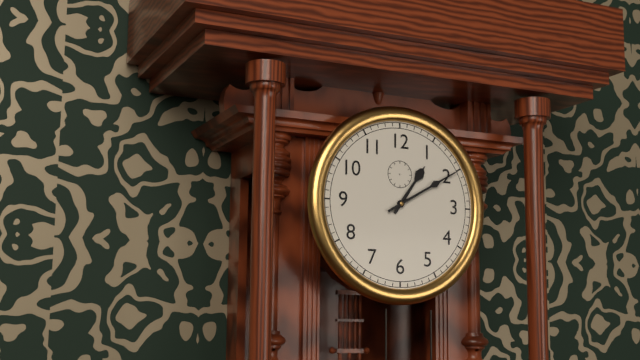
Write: 1:10
